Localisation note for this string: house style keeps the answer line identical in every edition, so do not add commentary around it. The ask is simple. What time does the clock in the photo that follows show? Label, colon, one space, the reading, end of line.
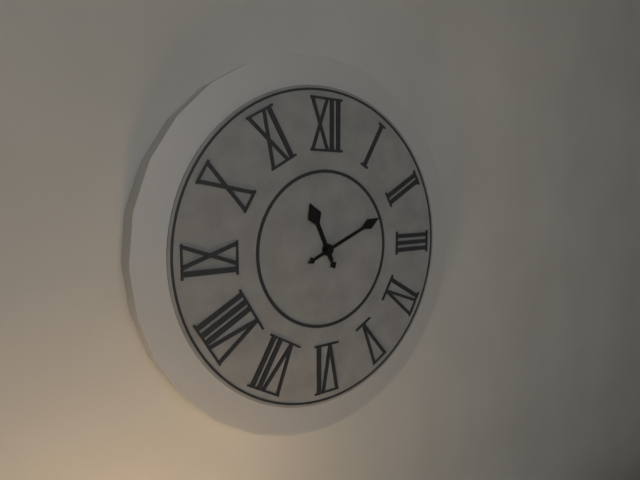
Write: 11:11
